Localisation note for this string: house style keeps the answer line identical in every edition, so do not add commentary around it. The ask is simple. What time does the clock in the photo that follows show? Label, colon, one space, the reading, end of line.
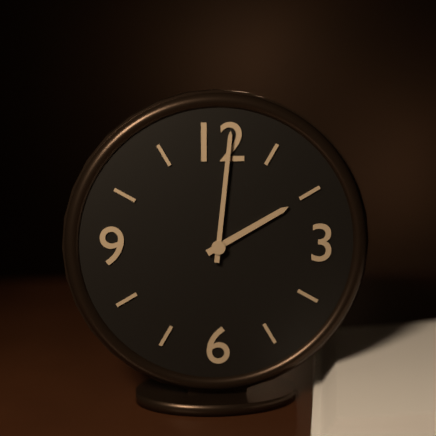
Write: 2:01
